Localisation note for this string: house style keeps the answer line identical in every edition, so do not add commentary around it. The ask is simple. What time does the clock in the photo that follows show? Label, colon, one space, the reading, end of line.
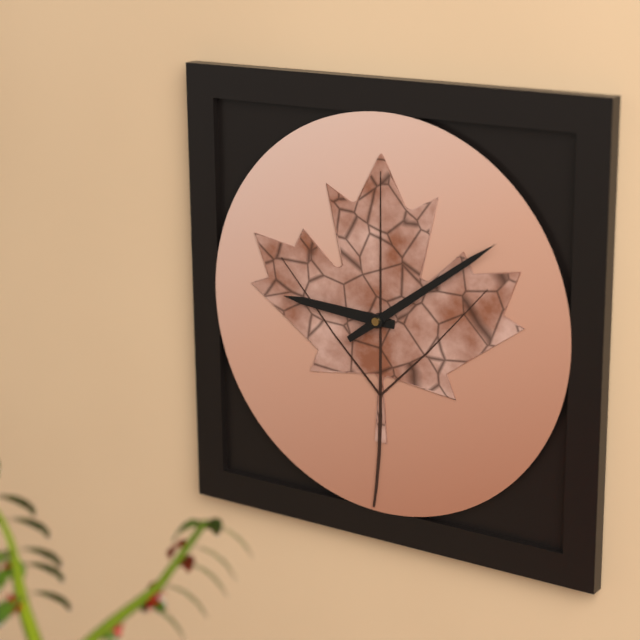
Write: 9:09
